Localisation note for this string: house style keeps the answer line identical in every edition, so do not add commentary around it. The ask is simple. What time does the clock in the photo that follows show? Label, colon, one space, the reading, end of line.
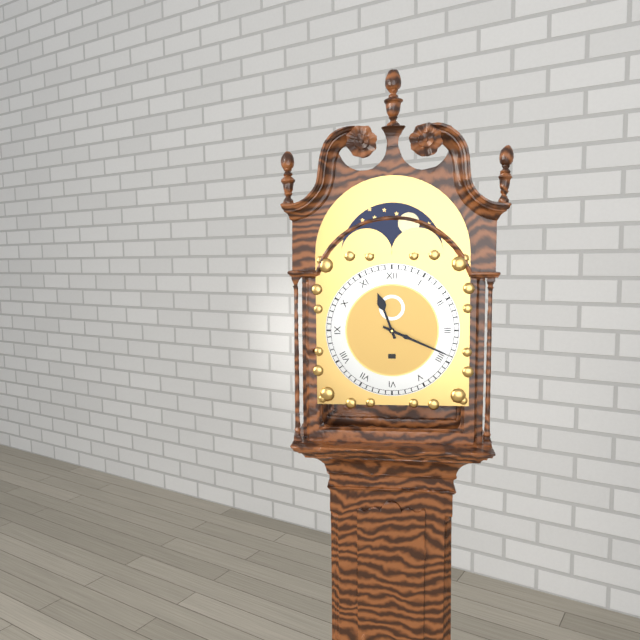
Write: 11:19
